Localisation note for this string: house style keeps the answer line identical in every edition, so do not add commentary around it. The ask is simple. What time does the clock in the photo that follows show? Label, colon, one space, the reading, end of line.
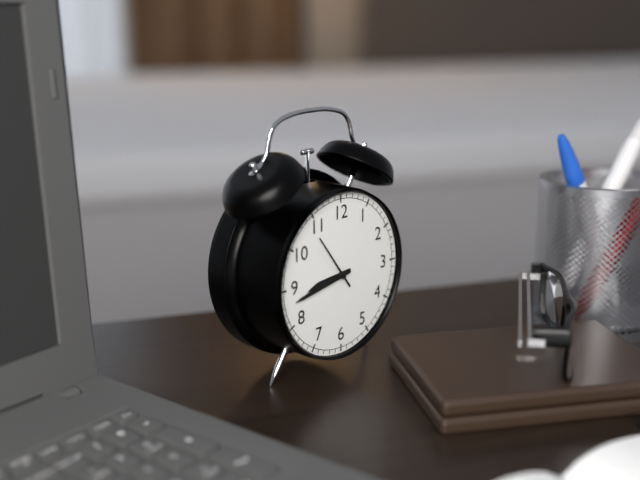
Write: 8:43:54
